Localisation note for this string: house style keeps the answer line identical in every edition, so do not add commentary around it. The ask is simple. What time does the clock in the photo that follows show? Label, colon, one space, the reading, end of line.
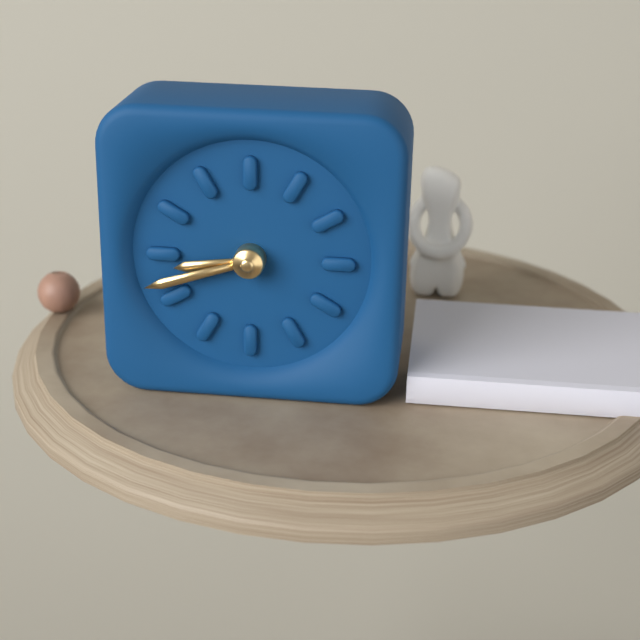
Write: 8:42
